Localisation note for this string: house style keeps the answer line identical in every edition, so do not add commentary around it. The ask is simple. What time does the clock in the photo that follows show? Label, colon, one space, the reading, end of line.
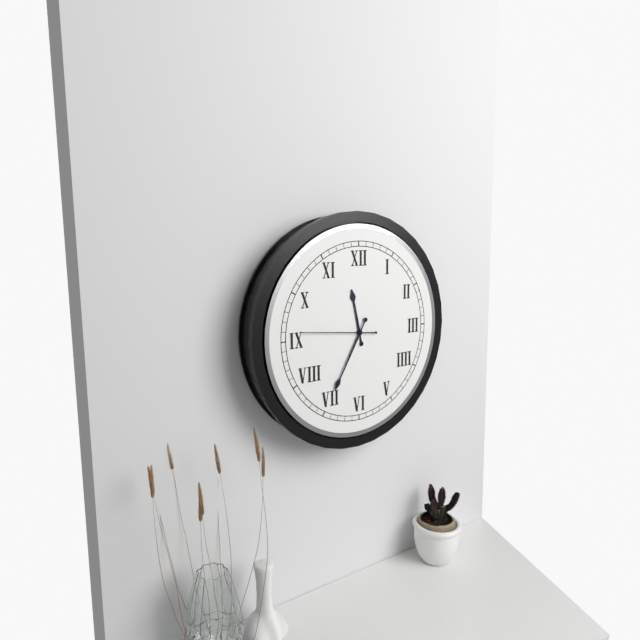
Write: 11:35:46
